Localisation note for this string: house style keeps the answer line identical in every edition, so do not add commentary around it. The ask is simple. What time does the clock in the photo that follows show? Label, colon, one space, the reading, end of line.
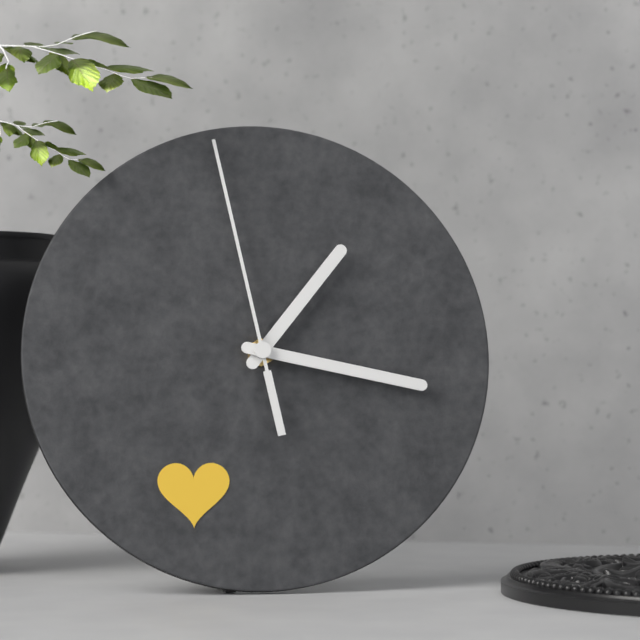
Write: 1:17:58
